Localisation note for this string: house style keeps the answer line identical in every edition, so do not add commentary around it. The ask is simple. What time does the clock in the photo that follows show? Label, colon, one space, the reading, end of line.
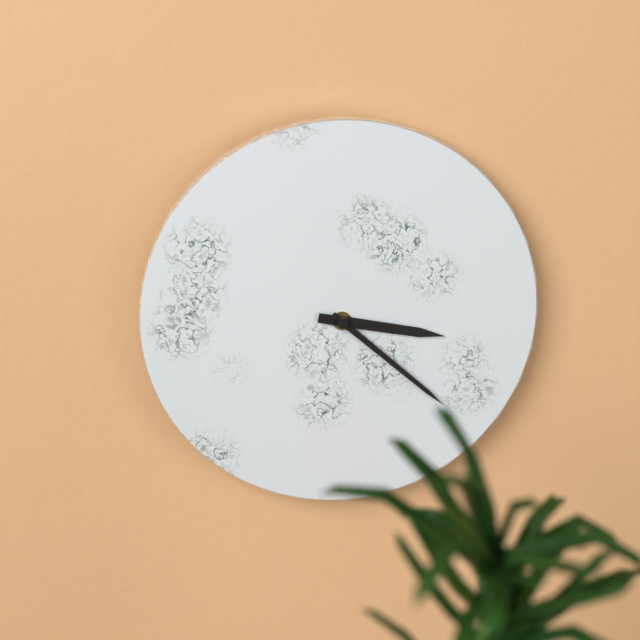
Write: 3:22
